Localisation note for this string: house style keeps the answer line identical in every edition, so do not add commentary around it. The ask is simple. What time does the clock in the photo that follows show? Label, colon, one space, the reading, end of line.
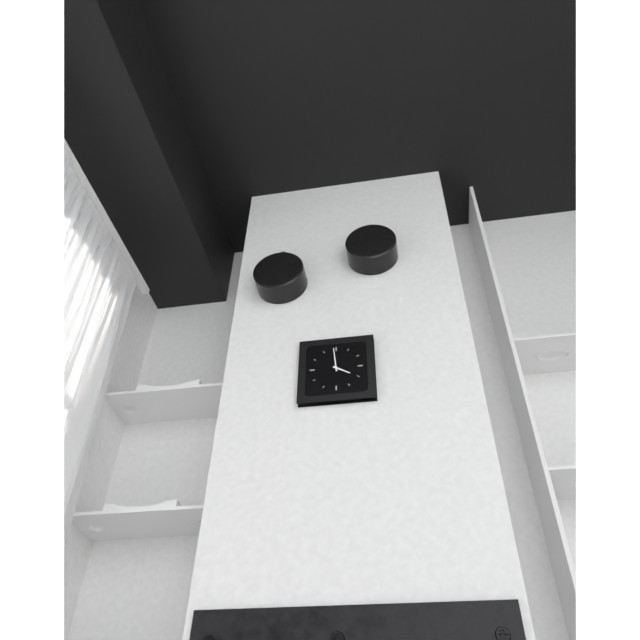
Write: 3:59
